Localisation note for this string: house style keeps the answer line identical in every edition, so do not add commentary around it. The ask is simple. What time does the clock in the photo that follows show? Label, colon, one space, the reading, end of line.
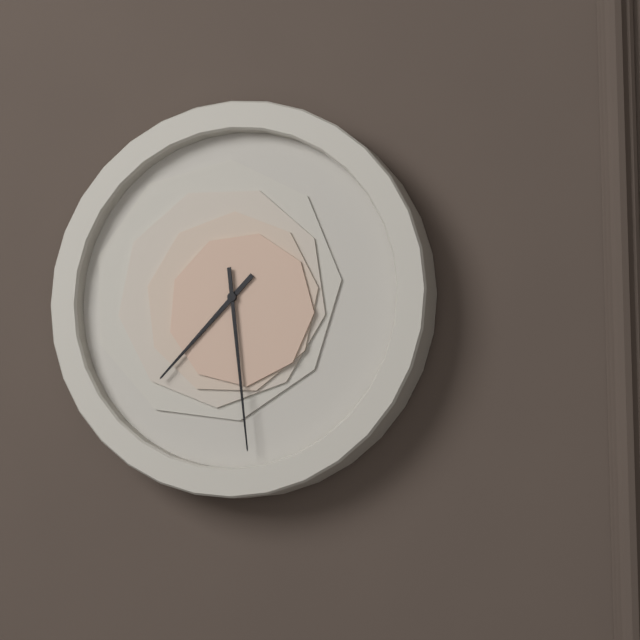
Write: 7:29
